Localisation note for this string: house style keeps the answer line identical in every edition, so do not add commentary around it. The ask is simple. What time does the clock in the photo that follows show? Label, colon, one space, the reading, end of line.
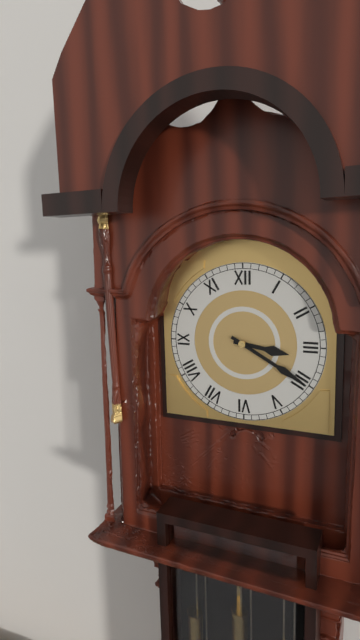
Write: 3:20
